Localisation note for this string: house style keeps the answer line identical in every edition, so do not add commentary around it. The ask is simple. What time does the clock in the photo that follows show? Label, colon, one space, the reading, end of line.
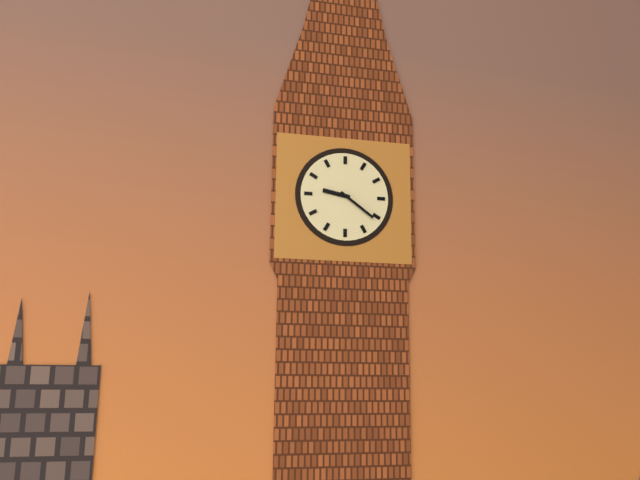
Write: 9:21
